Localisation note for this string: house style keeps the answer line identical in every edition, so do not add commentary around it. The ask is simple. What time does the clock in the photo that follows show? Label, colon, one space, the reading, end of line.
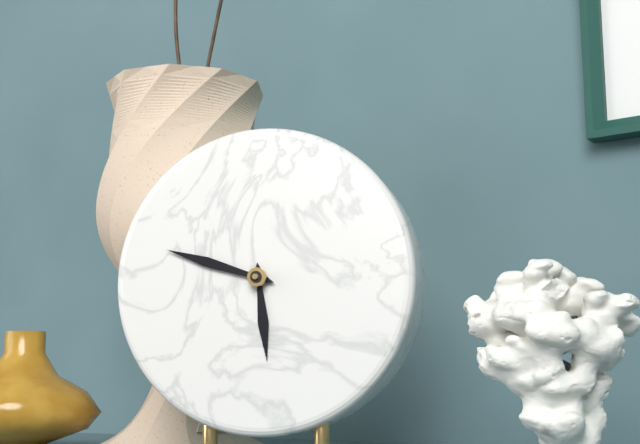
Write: 5:48
